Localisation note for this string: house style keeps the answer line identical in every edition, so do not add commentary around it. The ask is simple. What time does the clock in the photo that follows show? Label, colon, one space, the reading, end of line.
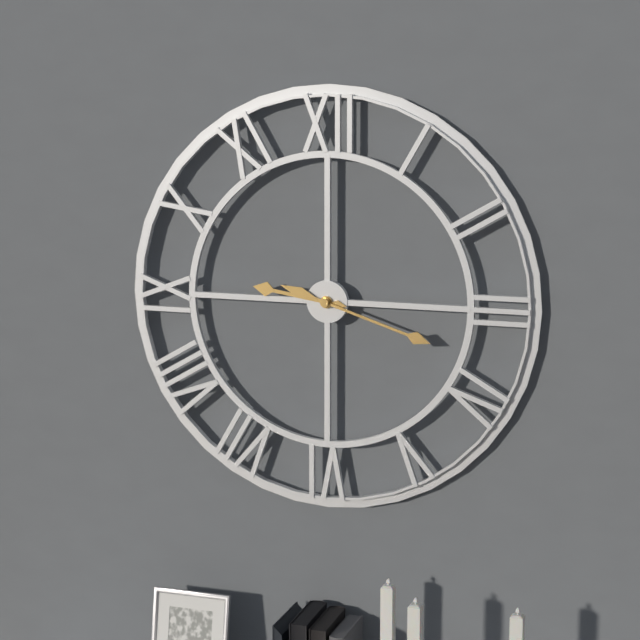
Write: 9:18
